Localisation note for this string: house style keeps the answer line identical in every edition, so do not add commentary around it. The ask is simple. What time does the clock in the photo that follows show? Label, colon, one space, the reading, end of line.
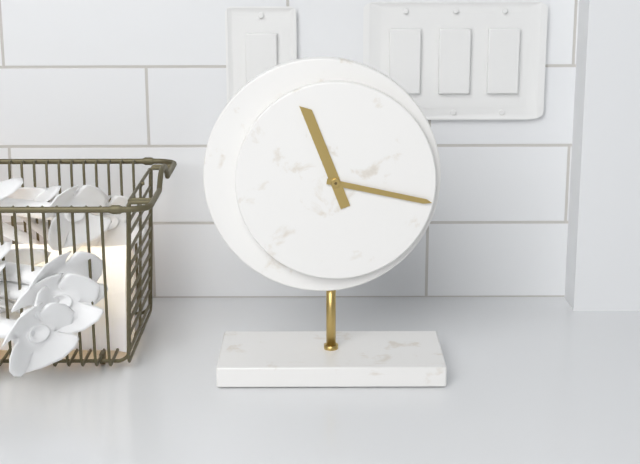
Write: 11:17
